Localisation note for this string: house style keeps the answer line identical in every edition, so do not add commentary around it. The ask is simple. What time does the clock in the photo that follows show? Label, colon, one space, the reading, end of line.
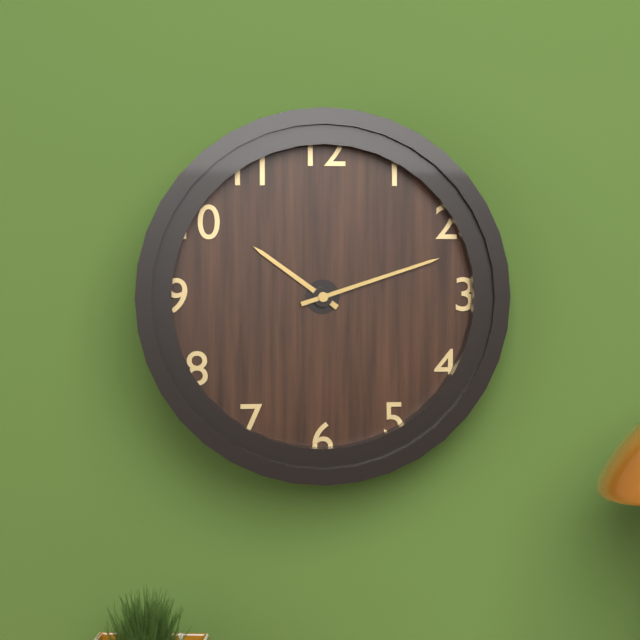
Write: 10:12
